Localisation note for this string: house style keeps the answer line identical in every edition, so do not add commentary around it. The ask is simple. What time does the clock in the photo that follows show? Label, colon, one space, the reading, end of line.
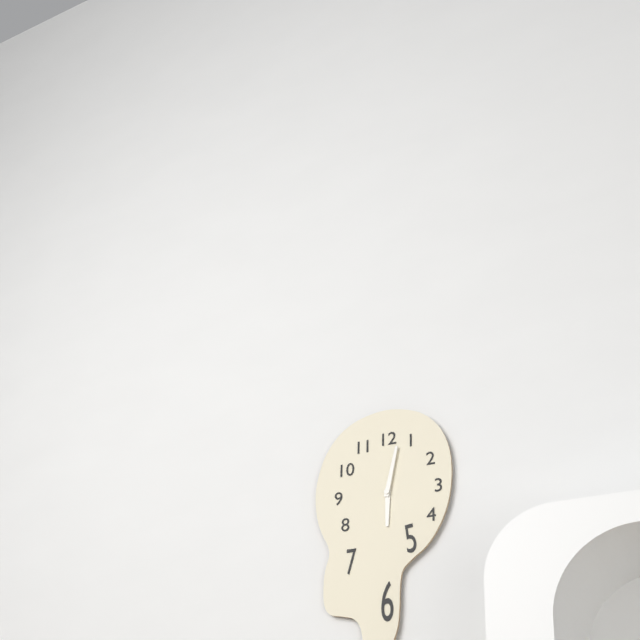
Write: 6:02
